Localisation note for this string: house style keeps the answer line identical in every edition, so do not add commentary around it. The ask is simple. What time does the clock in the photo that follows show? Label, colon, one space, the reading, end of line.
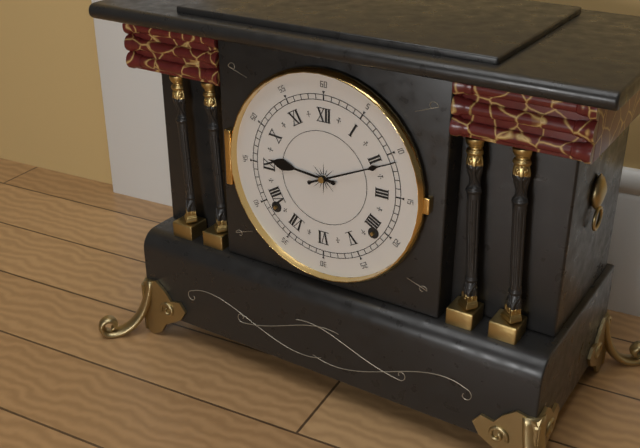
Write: 9:11
